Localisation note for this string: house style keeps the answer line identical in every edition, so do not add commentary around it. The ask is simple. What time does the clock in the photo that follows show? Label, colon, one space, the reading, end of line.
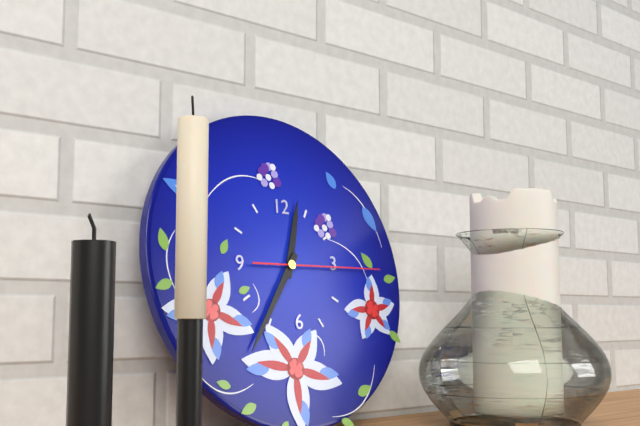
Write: 12:36:15
